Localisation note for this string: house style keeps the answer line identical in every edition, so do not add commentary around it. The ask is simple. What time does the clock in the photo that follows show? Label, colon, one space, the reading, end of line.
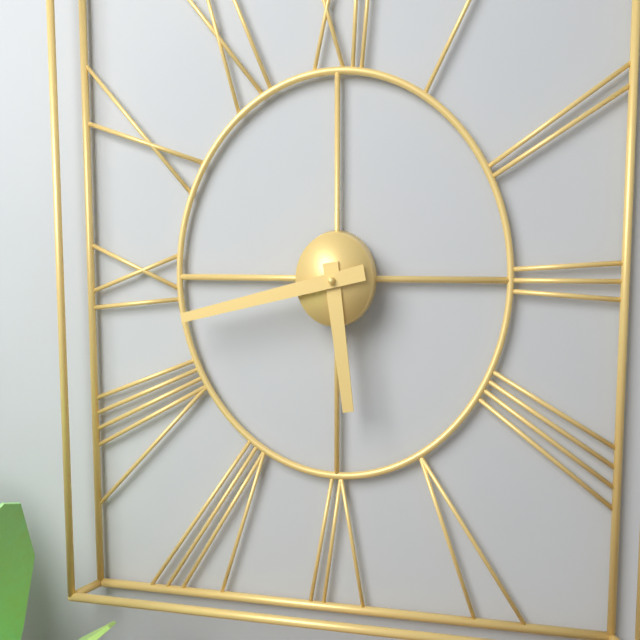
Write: 5:43
